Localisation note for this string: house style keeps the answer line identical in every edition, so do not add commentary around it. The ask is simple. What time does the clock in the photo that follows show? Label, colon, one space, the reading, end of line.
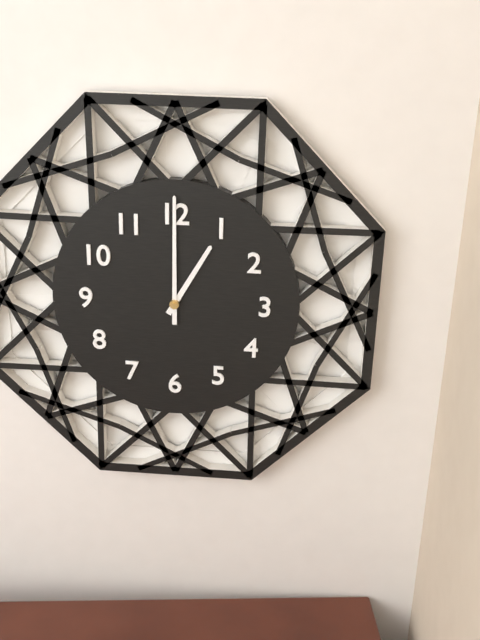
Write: 1:00
